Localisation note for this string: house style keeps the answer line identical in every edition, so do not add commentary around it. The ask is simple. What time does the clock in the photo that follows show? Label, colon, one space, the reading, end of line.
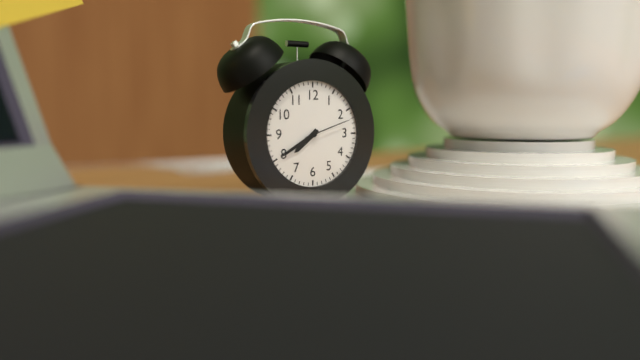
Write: 7:40:12
